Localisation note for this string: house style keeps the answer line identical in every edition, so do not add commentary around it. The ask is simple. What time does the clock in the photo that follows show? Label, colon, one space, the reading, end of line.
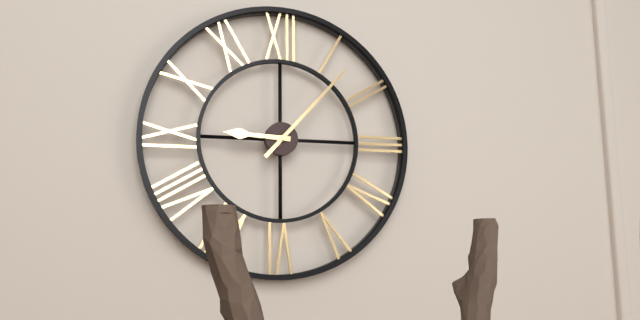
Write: 9:07
